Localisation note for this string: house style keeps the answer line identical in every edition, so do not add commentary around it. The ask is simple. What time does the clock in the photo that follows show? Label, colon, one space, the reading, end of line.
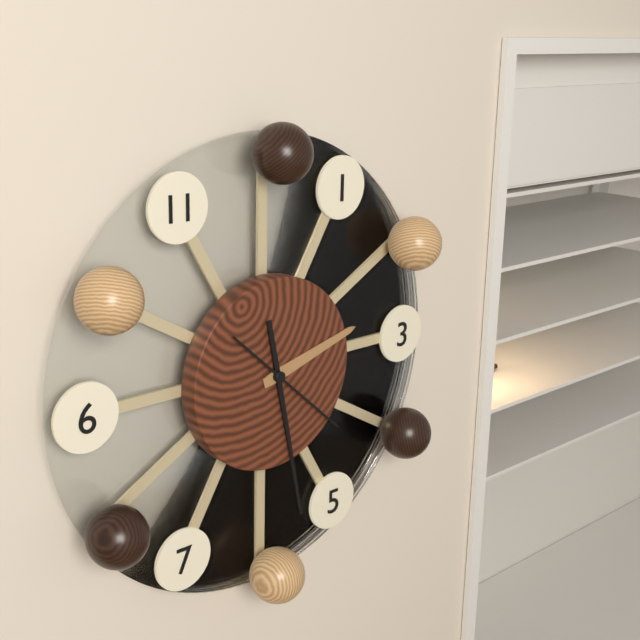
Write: 2:28:22
